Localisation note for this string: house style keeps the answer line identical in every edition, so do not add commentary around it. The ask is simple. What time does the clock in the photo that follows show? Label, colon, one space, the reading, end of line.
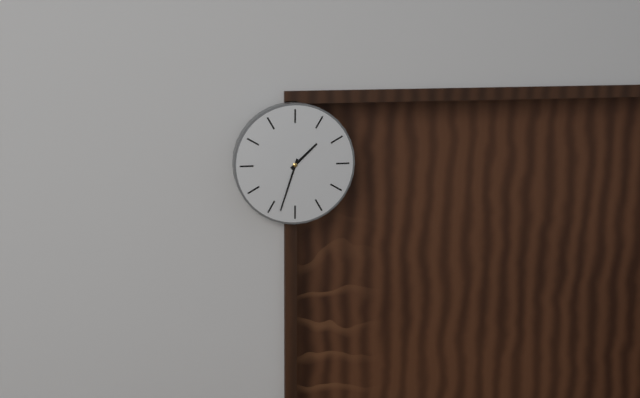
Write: 1:33
